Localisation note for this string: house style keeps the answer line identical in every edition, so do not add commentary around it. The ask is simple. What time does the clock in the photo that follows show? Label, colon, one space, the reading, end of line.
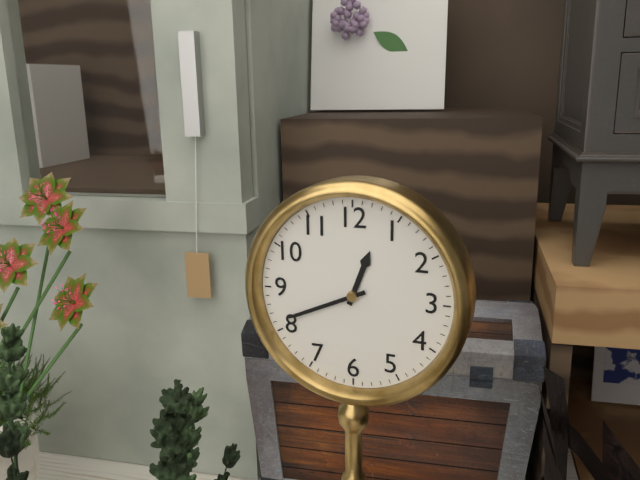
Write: 12:41
